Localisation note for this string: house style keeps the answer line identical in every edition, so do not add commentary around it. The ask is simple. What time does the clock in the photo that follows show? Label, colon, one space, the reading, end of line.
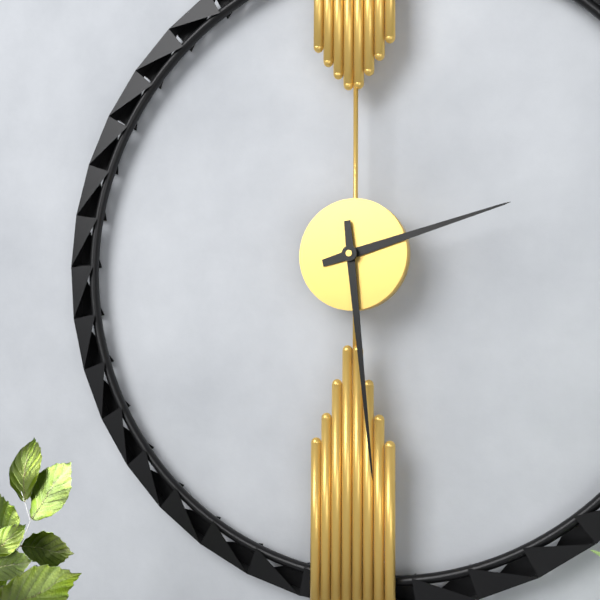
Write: 2:29
